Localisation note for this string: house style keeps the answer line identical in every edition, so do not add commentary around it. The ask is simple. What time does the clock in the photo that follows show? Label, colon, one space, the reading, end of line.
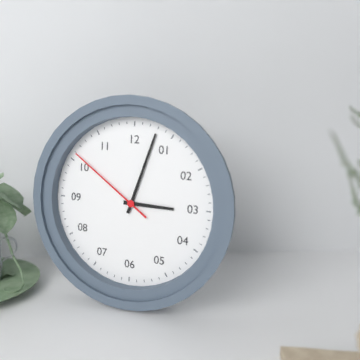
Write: 3:03:51
